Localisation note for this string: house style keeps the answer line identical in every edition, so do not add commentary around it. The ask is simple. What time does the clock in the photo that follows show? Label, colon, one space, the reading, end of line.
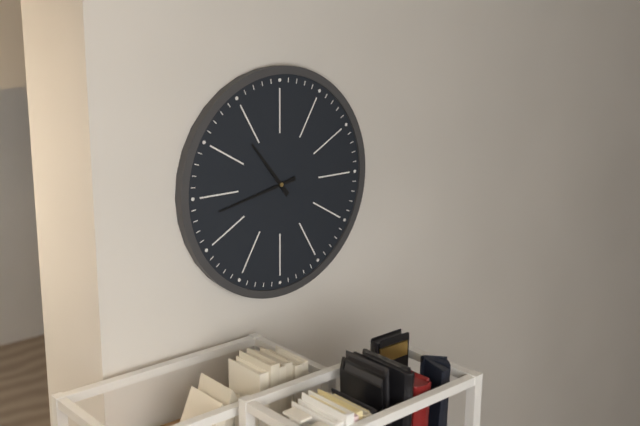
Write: 10:43
